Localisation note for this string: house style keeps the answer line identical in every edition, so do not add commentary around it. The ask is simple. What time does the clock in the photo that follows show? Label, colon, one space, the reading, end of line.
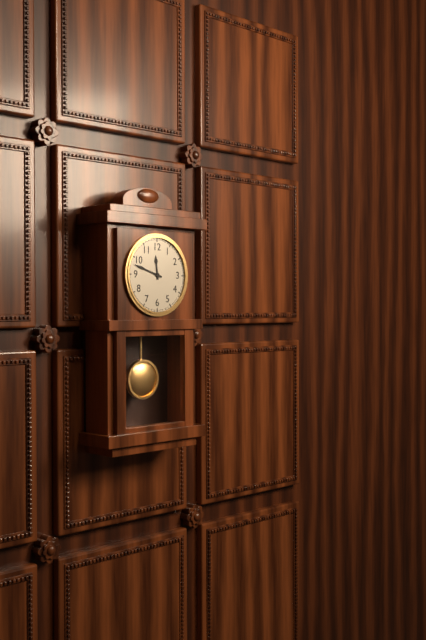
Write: 11:48
